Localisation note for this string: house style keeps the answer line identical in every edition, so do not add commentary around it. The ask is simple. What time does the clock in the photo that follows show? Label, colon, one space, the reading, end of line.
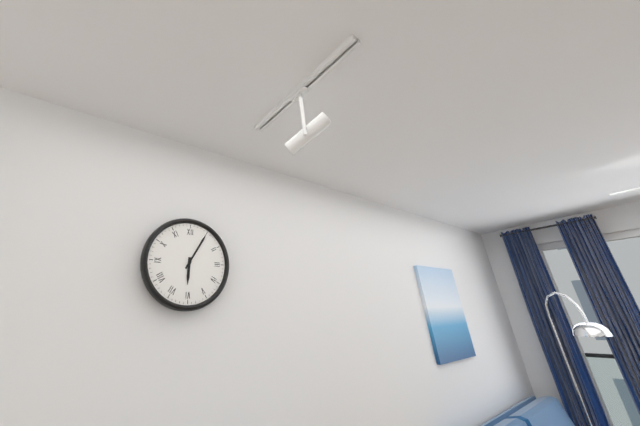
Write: 6:05
